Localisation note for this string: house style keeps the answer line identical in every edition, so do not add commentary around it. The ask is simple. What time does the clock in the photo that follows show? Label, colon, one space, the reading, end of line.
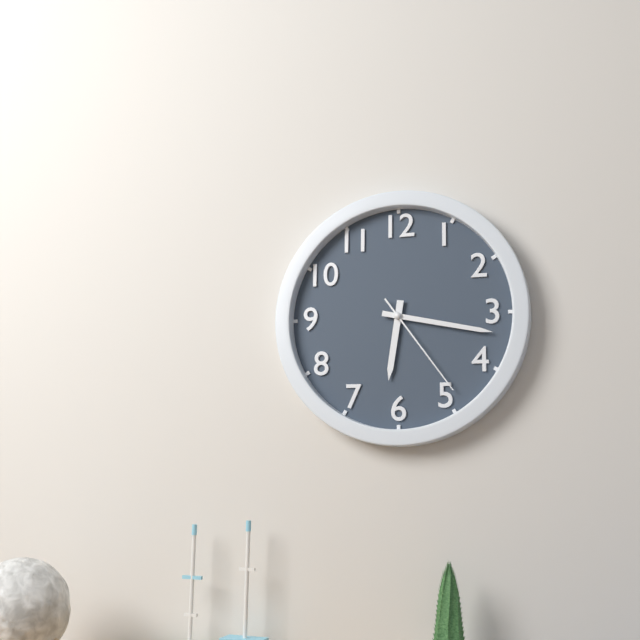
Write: 6:17:24
